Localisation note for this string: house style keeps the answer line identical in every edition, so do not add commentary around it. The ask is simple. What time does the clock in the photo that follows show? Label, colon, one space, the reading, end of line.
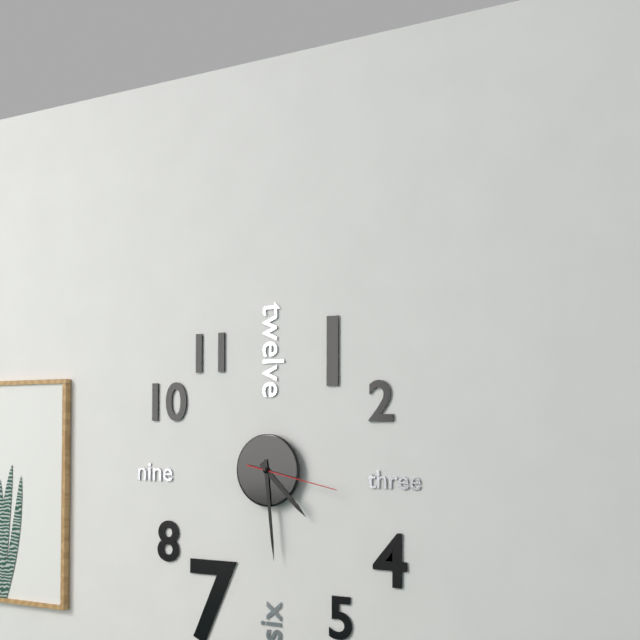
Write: 4:29:17
